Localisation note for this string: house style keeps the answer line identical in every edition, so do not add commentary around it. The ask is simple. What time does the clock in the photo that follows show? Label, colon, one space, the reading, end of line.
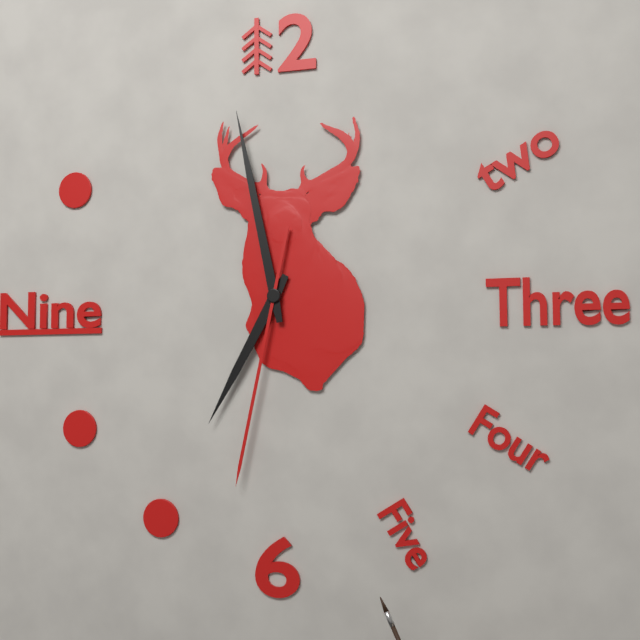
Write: 6:58:32
